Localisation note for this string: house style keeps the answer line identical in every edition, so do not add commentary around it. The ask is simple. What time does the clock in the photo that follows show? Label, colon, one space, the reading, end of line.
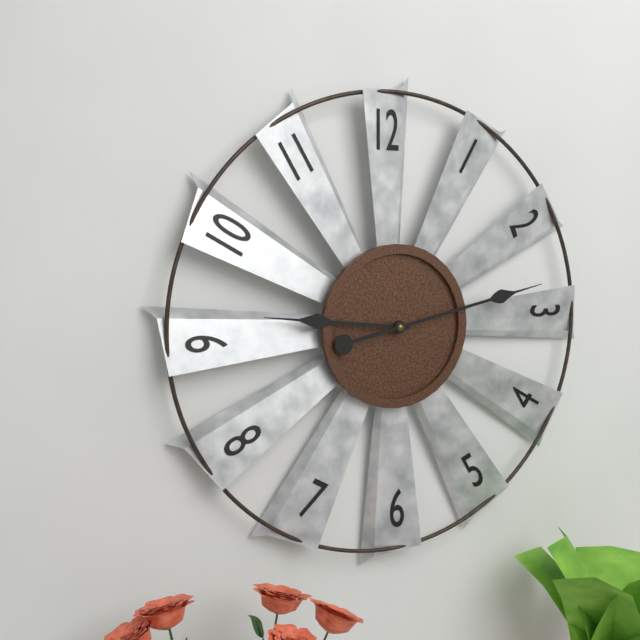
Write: 9:13
